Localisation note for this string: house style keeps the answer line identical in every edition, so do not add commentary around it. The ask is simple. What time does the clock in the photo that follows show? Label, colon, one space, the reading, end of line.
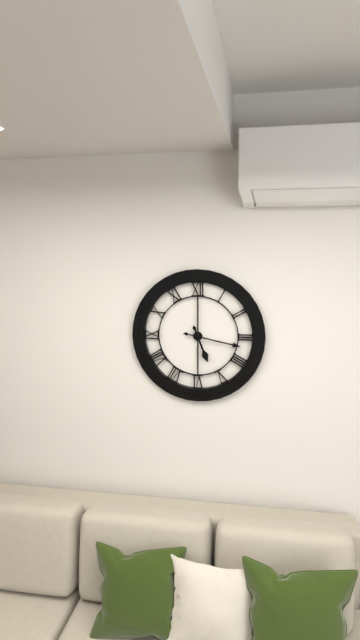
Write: 5:17
